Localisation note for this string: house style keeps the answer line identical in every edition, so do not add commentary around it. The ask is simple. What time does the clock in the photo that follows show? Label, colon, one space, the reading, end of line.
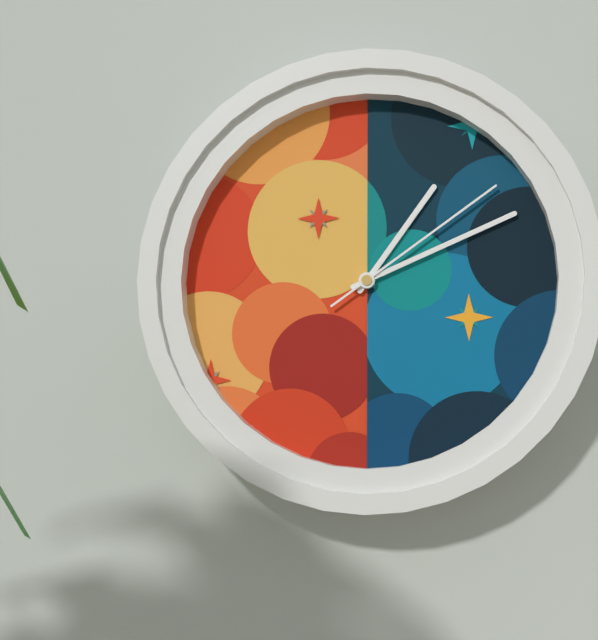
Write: 1:11:09
